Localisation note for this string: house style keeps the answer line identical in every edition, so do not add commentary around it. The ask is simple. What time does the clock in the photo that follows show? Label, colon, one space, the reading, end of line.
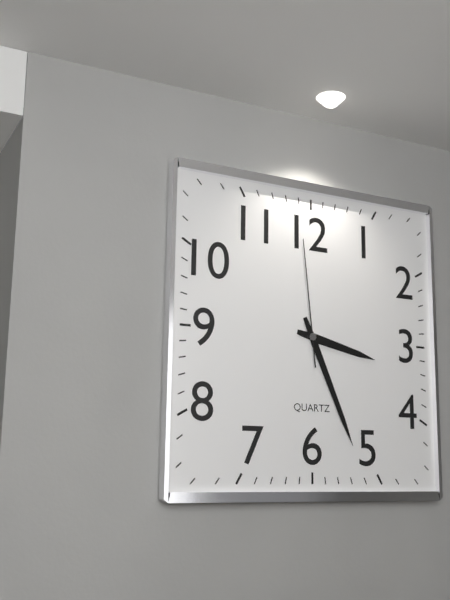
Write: 3:26:59
